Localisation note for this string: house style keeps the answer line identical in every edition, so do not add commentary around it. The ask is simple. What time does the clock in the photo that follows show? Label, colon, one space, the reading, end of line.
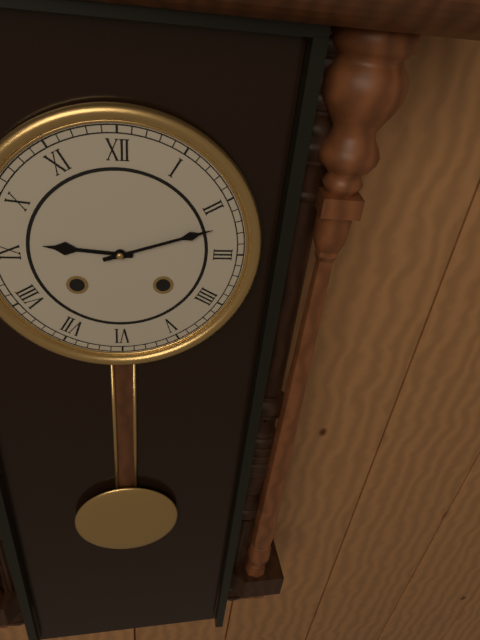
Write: 9:12
